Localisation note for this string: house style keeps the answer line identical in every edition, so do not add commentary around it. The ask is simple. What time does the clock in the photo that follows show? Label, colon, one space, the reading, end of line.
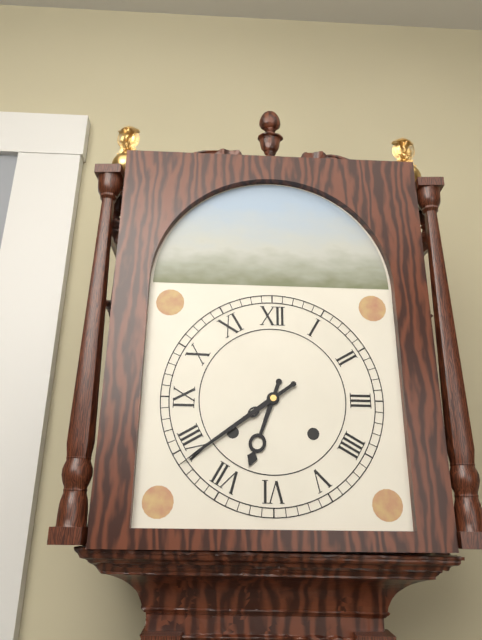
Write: 6:39
